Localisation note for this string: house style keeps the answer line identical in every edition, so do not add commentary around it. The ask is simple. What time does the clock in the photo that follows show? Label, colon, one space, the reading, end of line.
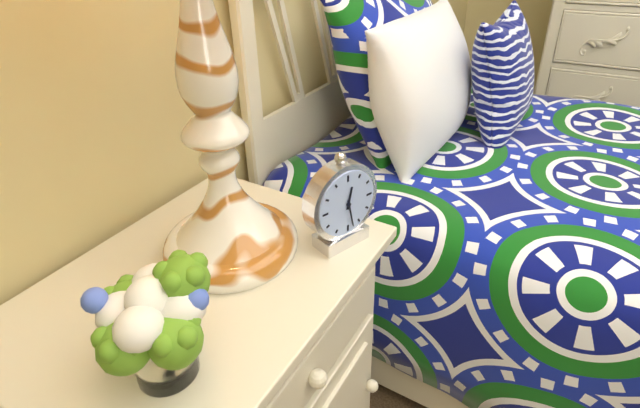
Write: 12:28
